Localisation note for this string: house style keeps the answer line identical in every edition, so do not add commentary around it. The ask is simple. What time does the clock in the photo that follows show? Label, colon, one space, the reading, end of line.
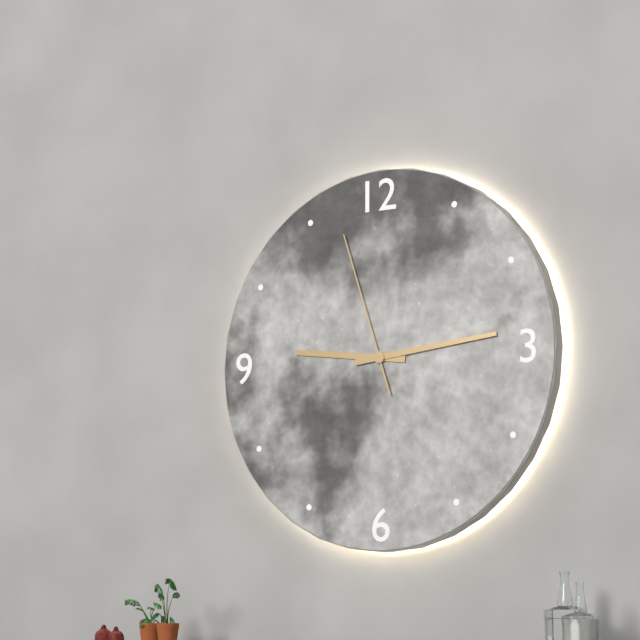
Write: 9:14:57
